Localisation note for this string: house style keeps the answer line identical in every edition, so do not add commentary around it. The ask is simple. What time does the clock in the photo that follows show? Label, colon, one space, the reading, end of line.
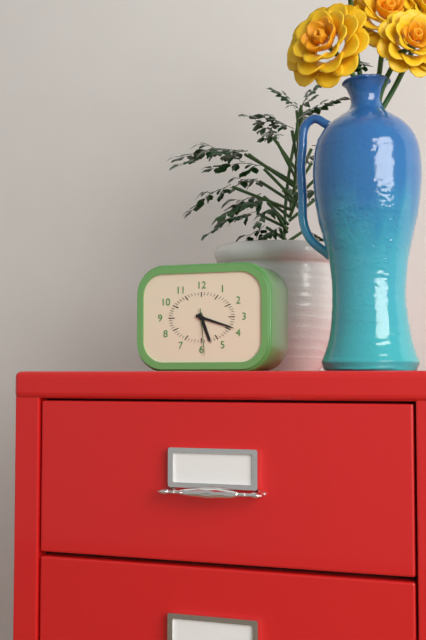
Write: 5:18
